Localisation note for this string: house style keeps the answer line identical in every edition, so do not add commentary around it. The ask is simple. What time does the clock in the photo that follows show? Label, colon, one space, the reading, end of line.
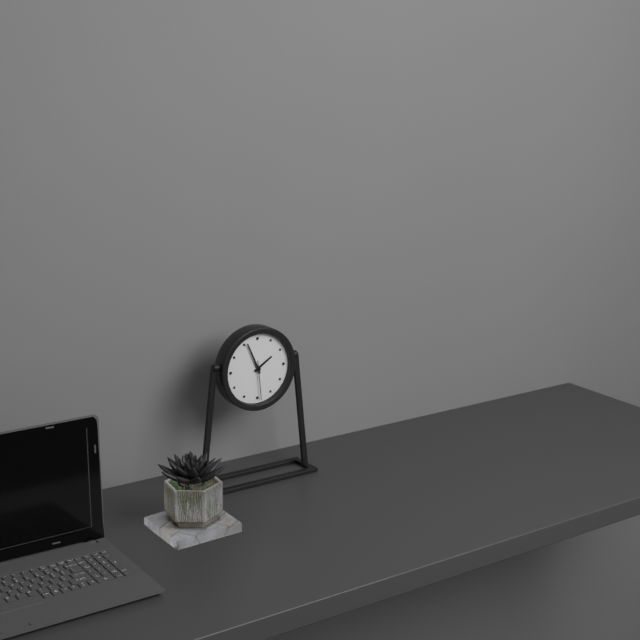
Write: 1:56
